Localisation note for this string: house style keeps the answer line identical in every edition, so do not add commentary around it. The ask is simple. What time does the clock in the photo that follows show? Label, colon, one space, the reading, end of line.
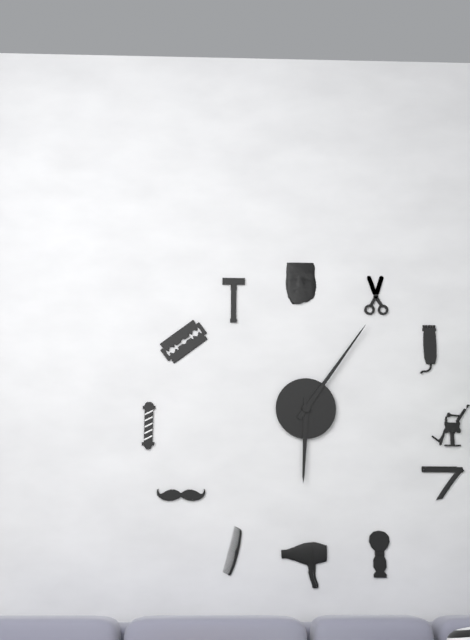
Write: 6:06
